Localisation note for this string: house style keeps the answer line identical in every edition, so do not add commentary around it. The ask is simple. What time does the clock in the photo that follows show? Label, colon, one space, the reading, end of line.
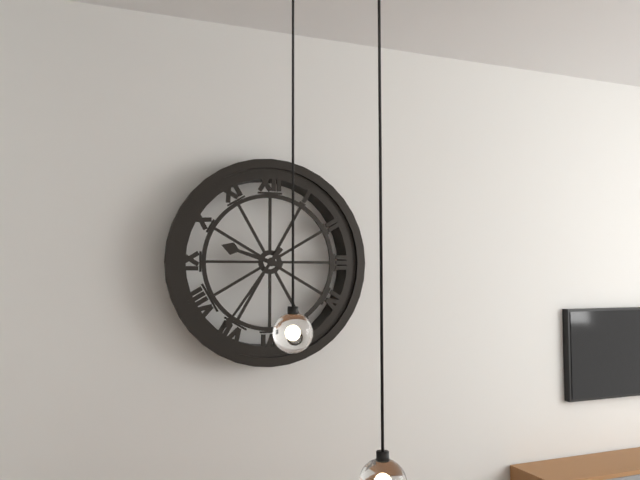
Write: 9:36
